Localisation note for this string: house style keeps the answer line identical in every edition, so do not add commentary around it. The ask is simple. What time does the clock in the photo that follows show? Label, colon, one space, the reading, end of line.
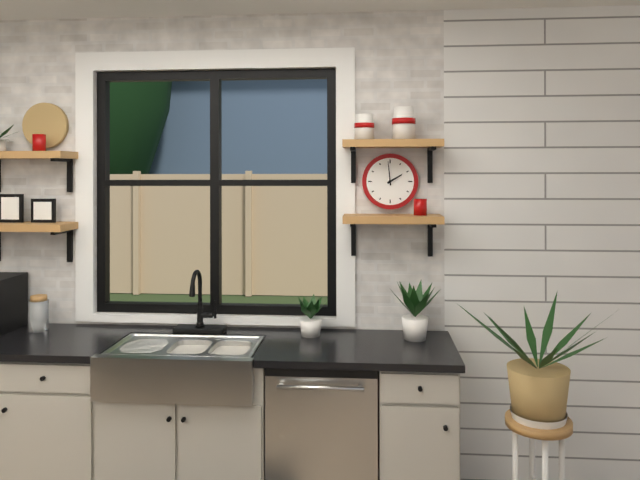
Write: 1:59
